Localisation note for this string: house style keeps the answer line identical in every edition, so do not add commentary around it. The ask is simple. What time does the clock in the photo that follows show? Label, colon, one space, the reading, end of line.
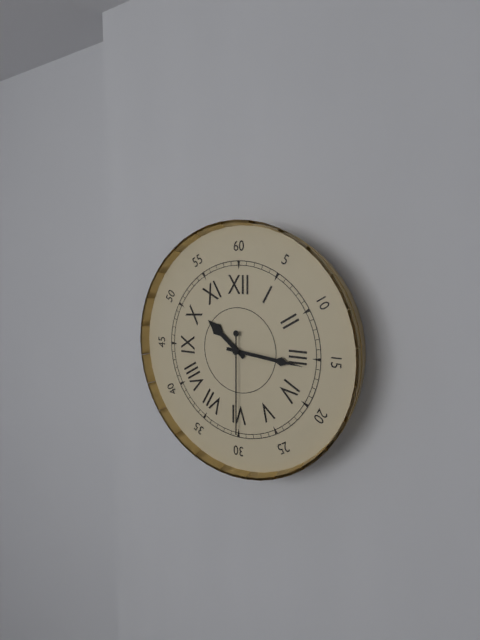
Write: 10:16:30
